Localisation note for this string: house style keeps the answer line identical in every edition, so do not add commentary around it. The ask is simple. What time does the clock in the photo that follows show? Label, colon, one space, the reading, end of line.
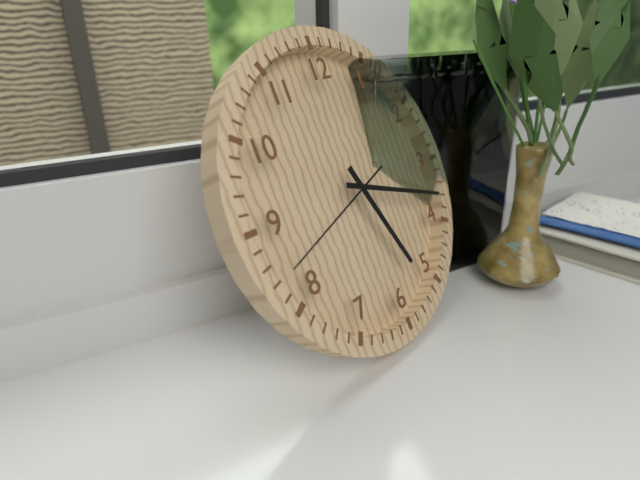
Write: 5:18:42
